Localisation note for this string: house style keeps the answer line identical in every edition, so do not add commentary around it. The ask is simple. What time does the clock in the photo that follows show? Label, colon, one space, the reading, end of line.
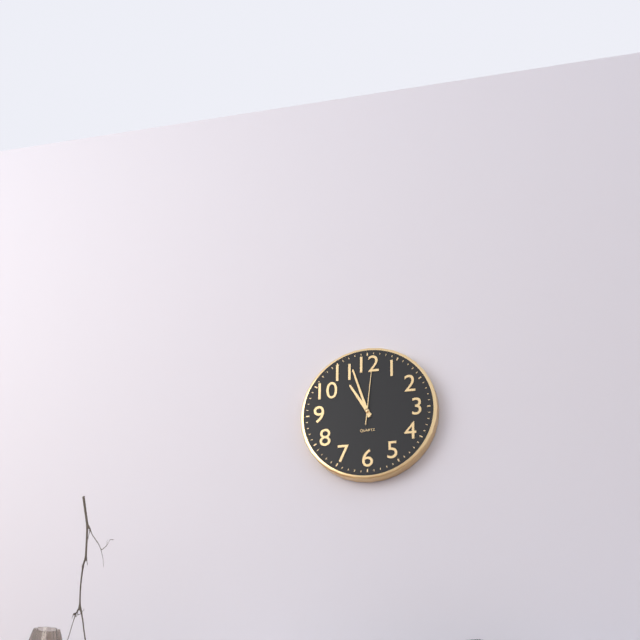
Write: 10:57:01
